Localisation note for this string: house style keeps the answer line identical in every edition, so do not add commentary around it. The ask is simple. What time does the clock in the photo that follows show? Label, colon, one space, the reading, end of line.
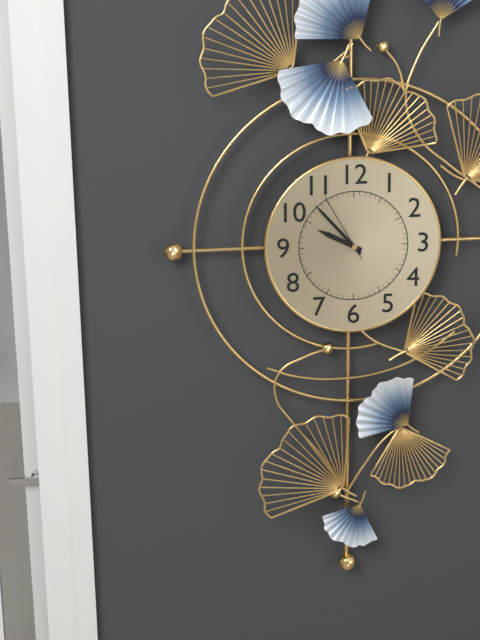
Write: 9:53:55
